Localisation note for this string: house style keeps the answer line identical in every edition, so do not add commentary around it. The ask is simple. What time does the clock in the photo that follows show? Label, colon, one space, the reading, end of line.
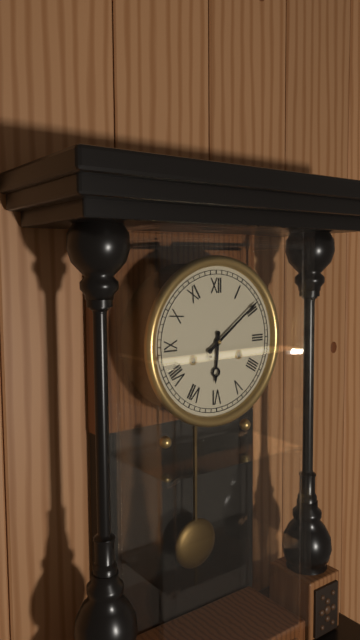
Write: 6:09
